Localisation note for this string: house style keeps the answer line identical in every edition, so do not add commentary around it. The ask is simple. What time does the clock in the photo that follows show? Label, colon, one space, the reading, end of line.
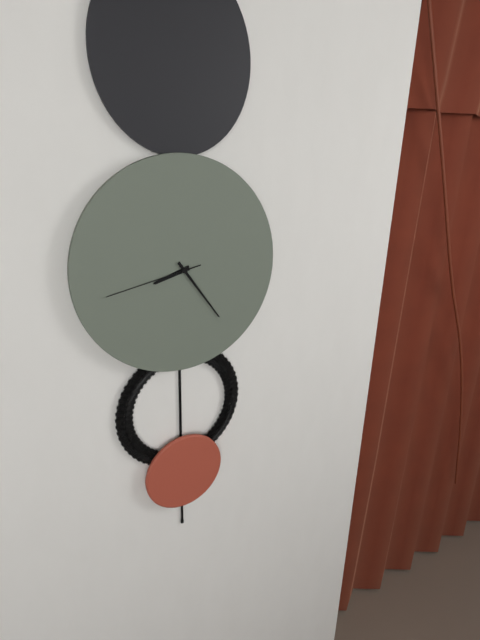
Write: 8:24:43
